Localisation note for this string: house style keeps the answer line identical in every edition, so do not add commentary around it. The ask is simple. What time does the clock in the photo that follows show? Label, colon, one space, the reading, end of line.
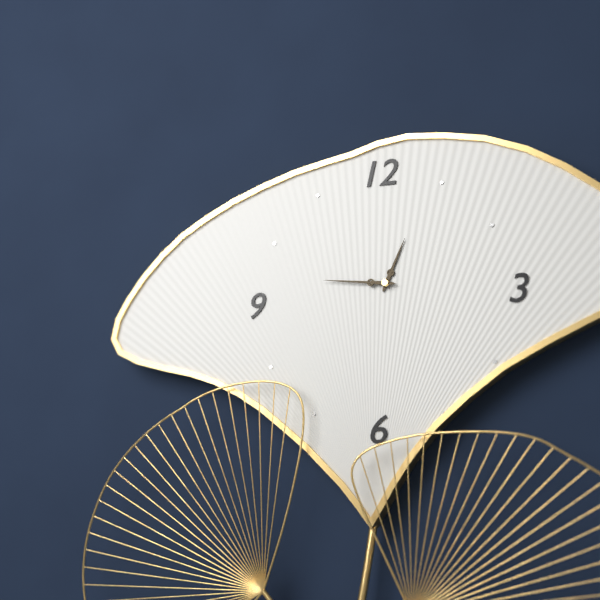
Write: 12:46
